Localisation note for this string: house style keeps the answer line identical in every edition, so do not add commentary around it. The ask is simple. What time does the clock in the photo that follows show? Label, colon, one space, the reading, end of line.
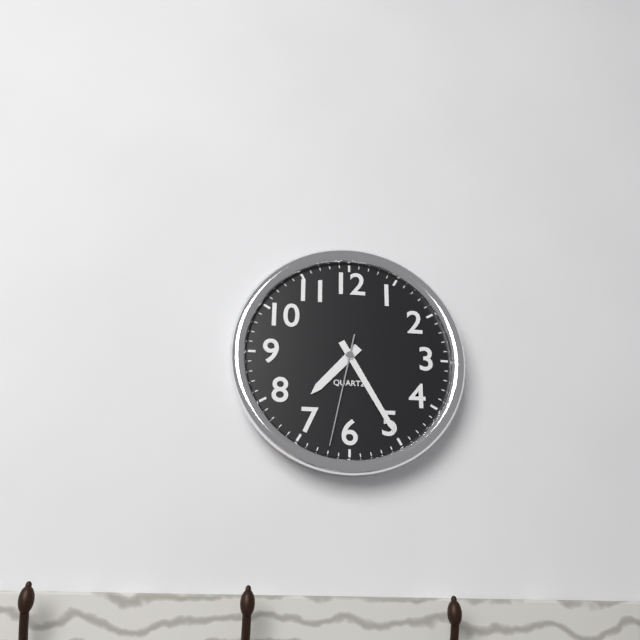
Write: 7:25:32
